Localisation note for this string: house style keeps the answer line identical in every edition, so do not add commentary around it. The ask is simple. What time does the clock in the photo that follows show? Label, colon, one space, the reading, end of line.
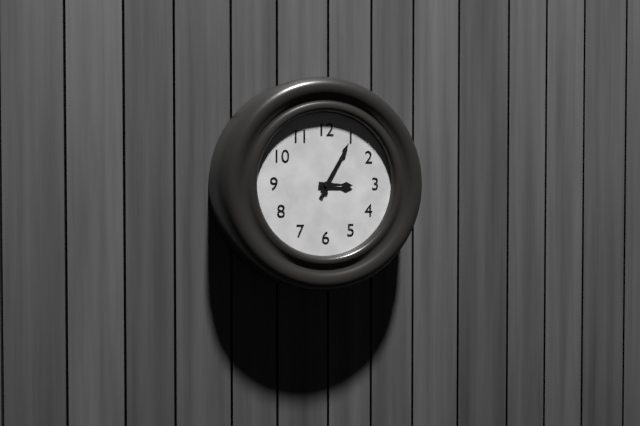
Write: 3:05
